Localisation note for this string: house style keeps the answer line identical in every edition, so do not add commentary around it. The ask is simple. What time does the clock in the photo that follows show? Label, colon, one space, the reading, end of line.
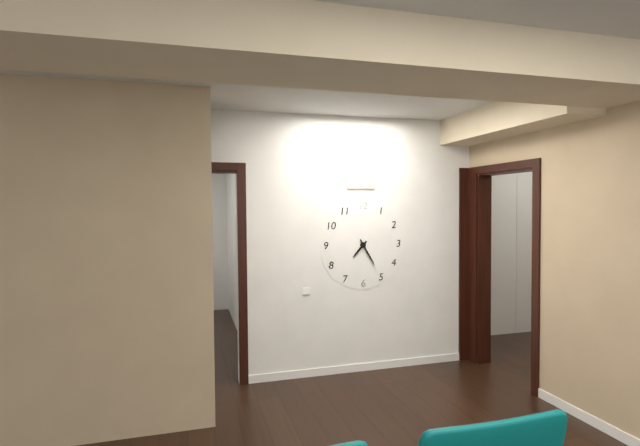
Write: 7:25
